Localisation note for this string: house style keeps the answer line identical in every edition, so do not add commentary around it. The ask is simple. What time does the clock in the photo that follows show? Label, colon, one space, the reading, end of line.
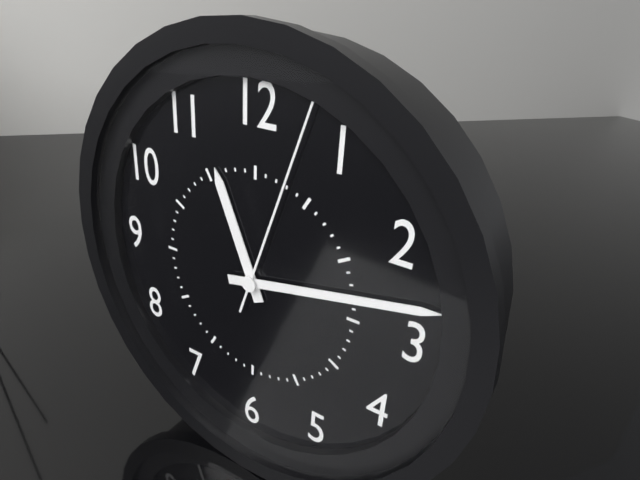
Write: 11:13:03
